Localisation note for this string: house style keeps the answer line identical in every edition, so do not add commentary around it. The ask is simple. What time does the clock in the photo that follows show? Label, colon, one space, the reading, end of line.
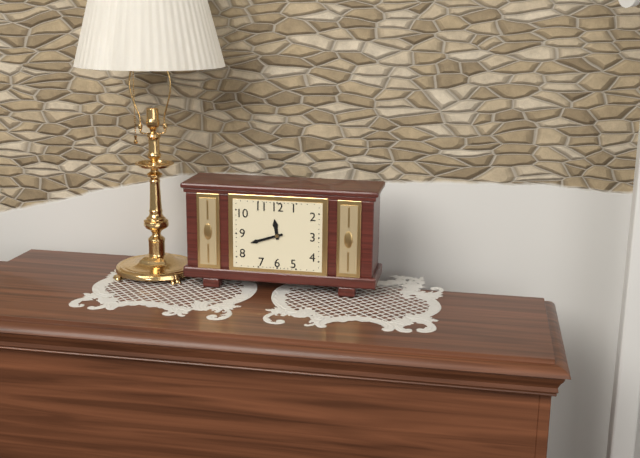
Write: 11:42
